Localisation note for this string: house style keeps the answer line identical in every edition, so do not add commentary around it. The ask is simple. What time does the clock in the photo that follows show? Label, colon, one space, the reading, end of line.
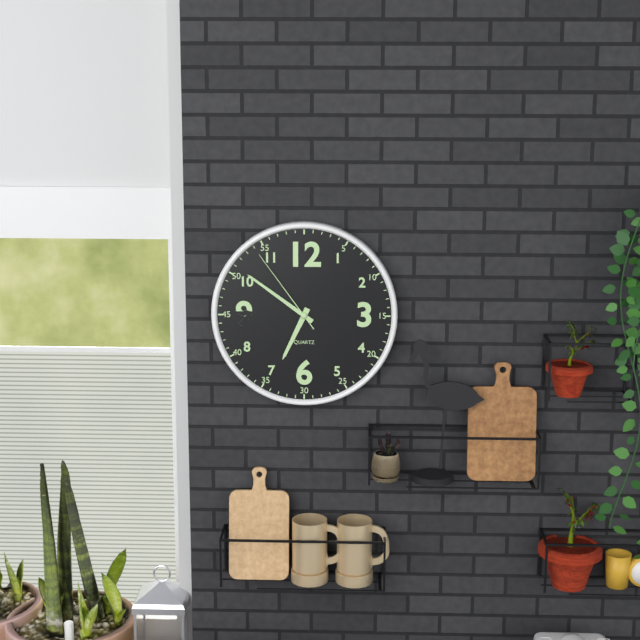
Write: 6:51:54
